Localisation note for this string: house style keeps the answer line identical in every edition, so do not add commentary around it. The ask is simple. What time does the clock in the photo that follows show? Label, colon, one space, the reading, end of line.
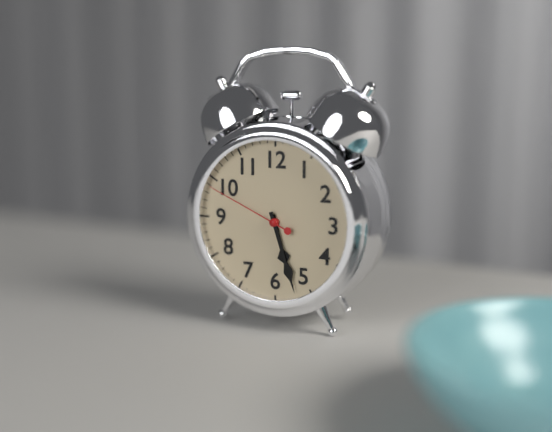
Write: 5:27:49
